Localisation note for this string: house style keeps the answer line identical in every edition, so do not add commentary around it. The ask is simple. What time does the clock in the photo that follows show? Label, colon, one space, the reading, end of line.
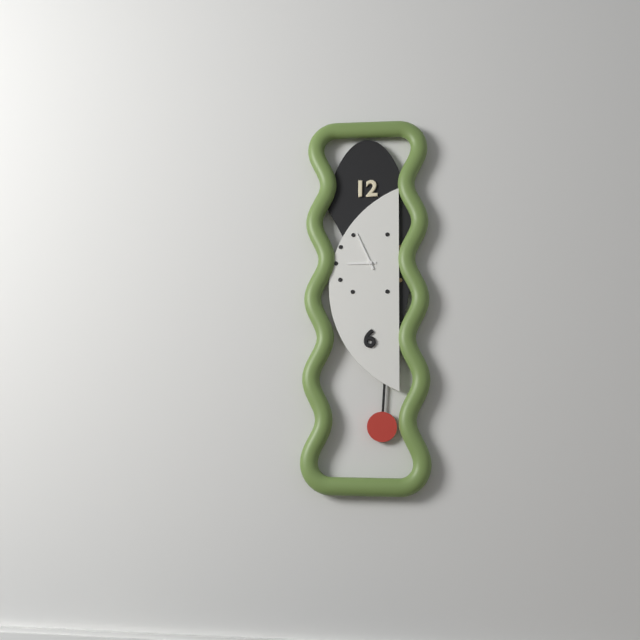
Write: 8:56
